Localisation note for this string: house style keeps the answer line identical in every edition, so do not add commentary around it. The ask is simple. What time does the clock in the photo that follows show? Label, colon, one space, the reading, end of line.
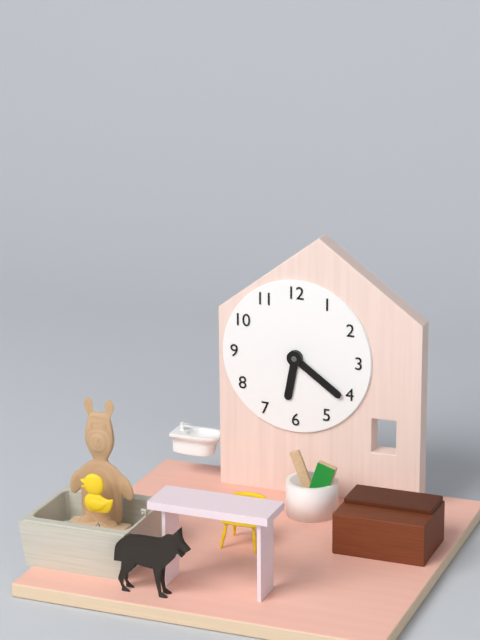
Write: 6:21
